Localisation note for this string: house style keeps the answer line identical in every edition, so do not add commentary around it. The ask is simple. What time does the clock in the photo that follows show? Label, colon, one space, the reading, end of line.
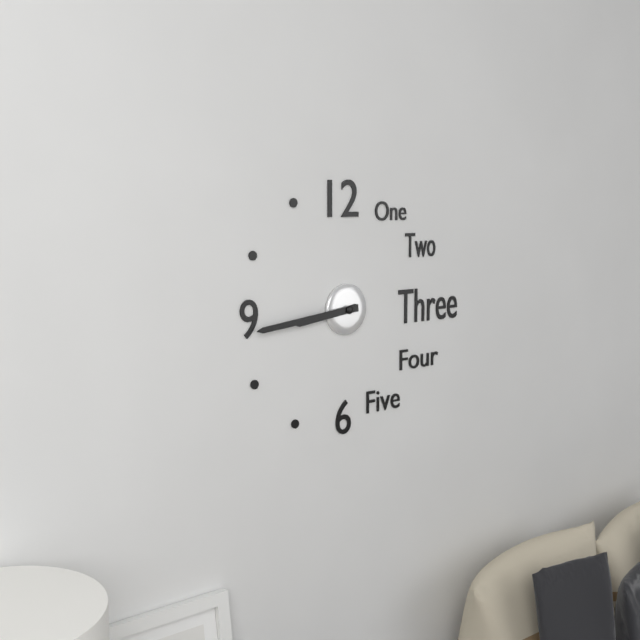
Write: 8:44
